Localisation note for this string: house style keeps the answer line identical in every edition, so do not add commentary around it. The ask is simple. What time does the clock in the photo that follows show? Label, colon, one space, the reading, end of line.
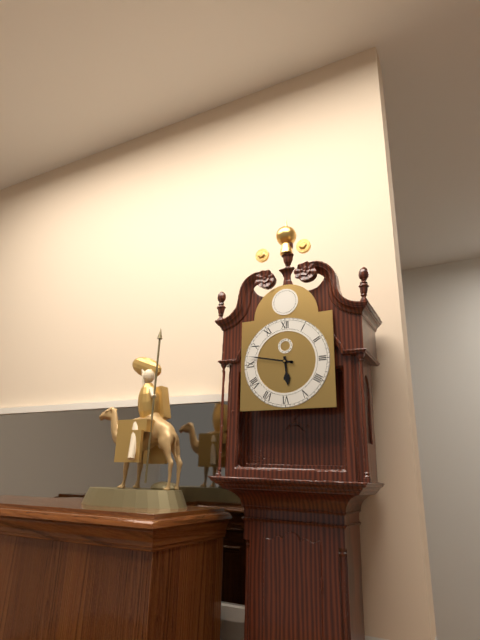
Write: 5:47
